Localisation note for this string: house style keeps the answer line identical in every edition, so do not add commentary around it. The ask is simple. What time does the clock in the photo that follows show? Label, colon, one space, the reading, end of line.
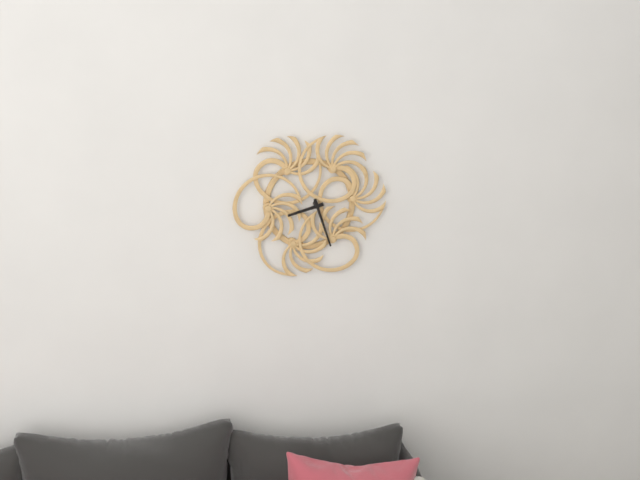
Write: 8:27
